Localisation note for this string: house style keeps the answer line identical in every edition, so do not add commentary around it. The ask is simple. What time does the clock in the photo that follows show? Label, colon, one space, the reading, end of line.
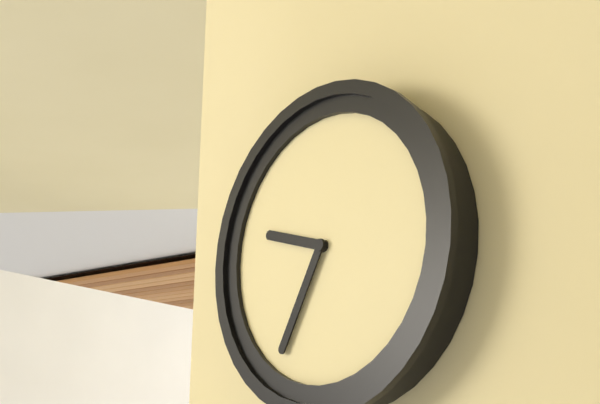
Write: 9:35
